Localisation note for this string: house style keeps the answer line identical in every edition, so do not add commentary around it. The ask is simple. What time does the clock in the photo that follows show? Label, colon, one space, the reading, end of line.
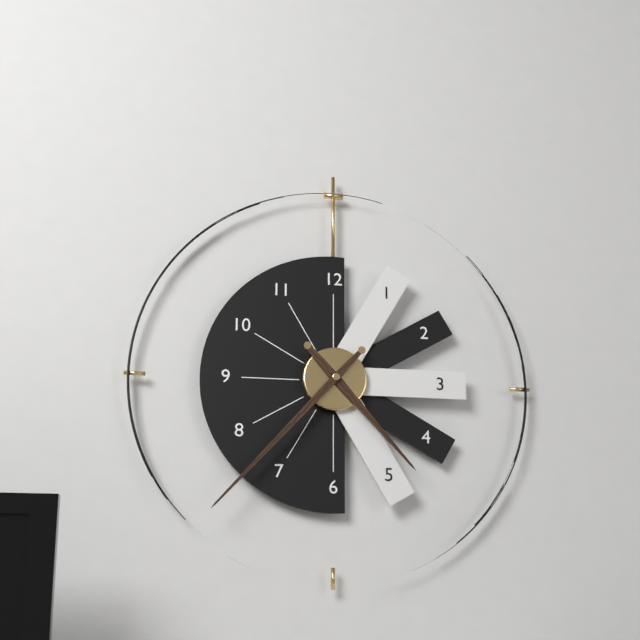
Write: 4:37
